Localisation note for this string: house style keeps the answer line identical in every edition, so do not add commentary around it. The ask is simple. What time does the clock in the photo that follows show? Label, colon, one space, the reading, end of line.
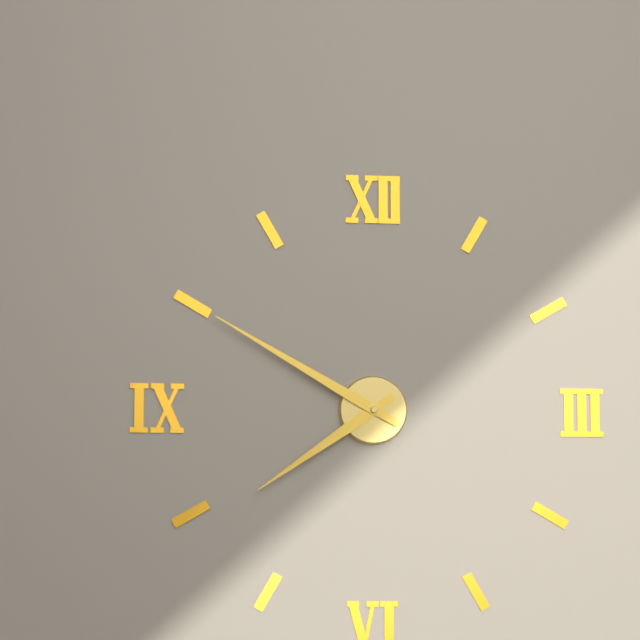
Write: 7:50
